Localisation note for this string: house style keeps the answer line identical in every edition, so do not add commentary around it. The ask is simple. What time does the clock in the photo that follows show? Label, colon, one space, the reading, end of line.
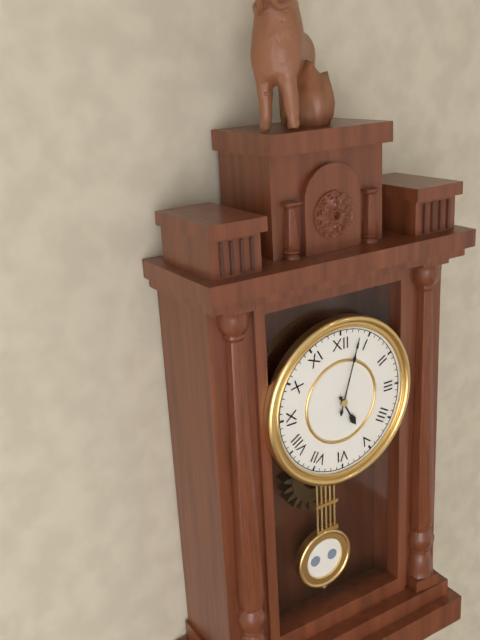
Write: 5:03
